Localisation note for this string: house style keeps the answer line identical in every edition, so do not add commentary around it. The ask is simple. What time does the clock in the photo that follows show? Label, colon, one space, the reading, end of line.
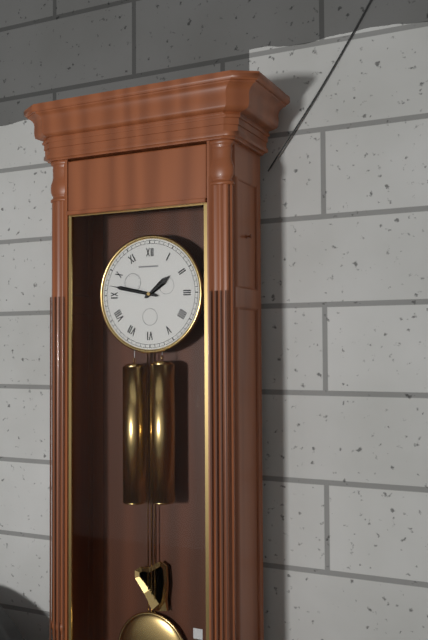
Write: 1:47
